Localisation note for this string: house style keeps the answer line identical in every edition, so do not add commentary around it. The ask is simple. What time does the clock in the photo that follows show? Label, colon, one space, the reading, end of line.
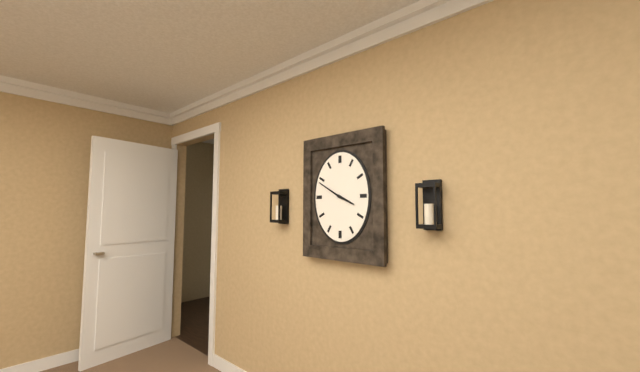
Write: 3:50
